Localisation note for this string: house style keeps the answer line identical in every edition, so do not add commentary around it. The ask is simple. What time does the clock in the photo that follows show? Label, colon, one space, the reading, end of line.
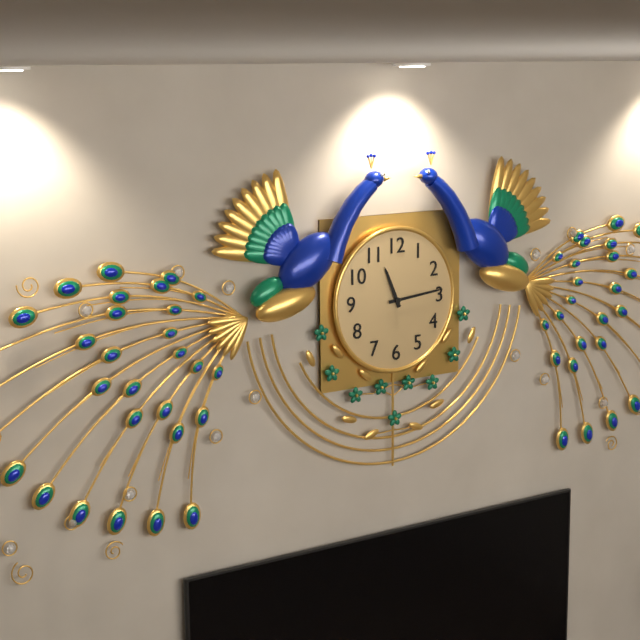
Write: 11:14
